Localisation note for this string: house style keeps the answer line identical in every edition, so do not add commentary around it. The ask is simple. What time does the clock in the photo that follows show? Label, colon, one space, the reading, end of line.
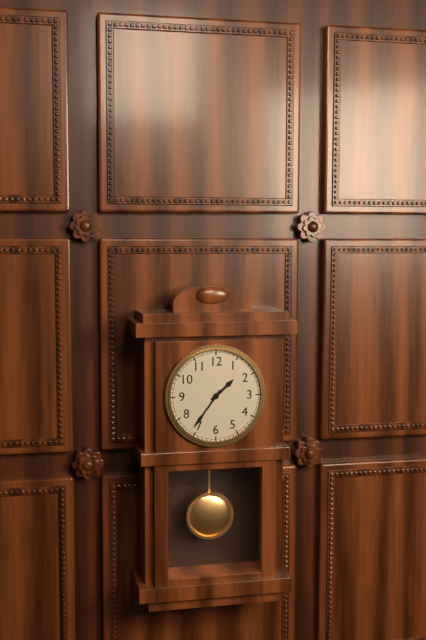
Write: 1:36
